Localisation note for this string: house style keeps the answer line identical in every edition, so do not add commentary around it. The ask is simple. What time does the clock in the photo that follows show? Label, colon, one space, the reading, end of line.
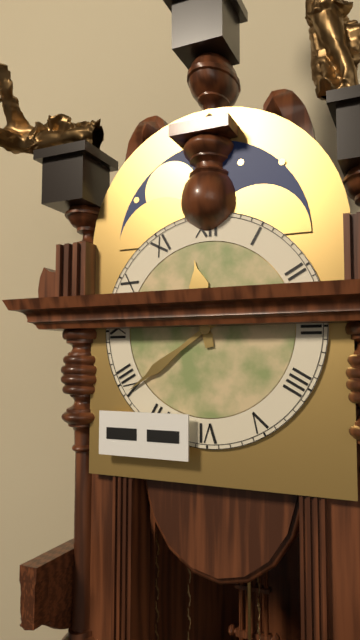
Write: 11:39
